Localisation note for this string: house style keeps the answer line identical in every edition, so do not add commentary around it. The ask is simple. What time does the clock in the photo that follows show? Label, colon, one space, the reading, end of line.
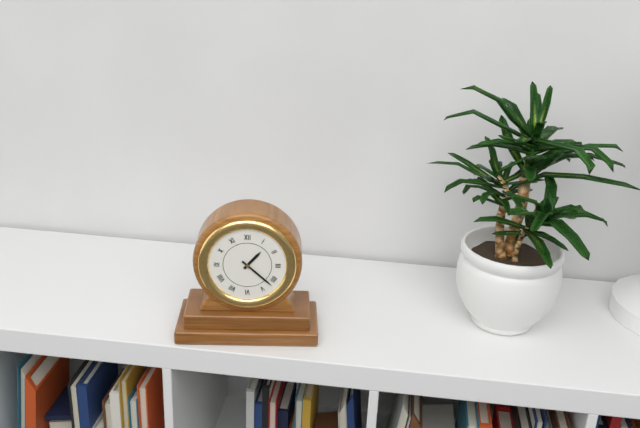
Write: 1:22
